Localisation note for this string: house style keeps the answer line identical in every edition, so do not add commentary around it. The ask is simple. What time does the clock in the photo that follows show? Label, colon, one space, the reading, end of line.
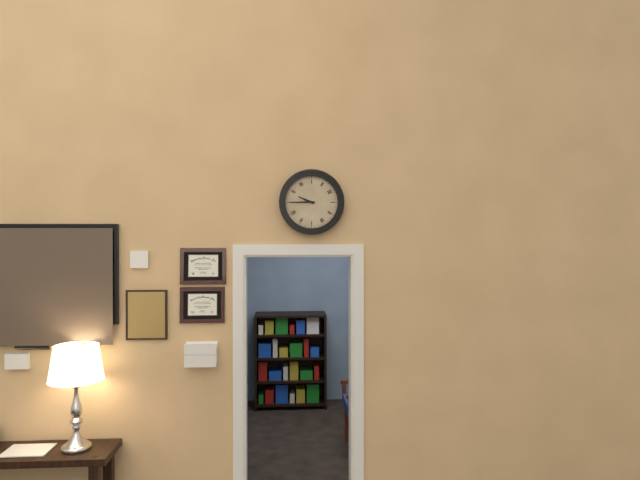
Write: 9:45
